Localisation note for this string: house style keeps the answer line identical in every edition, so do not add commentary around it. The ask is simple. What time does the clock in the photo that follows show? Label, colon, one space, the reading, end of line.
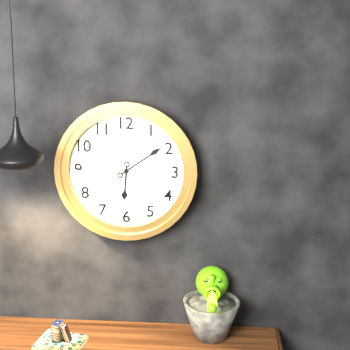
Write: 6:09
